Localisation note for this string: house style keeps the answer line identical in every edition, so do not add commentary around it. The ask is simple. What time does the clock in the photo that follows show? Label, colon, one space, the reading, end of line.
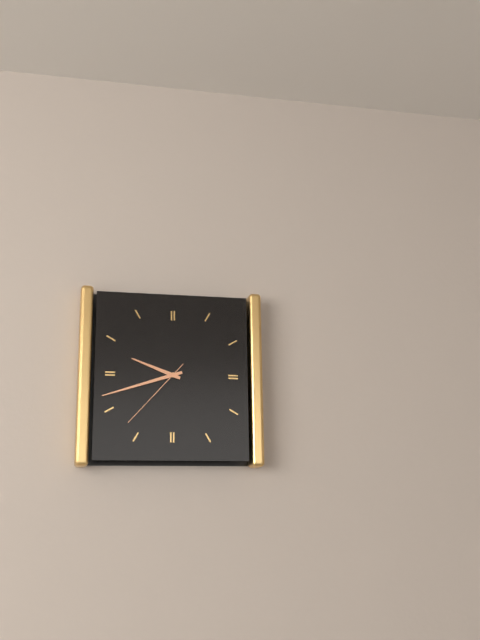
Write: 9:42:37
